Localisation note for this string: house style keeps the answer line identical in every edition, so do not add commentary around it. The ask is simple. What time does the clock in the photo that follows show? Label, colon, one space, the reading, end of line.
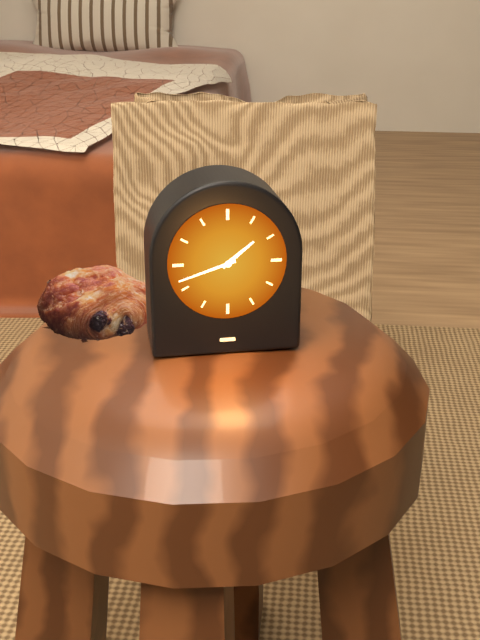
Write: 1:42
